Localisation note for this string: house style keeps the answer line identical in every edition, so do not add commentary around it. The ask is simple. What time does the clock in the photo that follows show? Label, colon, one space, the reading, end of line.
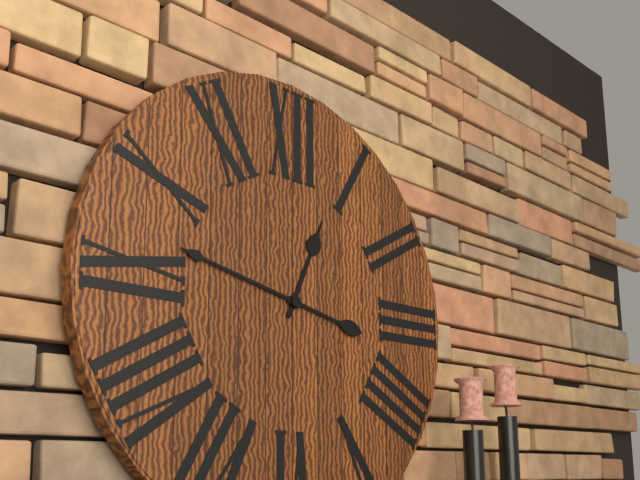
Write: 12:47
